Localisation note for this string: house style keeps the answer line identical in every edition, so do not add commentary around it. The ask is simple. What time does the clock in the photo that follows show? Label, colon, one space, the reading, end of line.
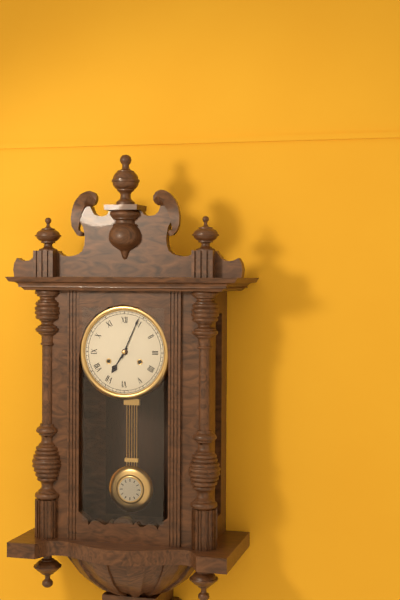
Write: 7:04
